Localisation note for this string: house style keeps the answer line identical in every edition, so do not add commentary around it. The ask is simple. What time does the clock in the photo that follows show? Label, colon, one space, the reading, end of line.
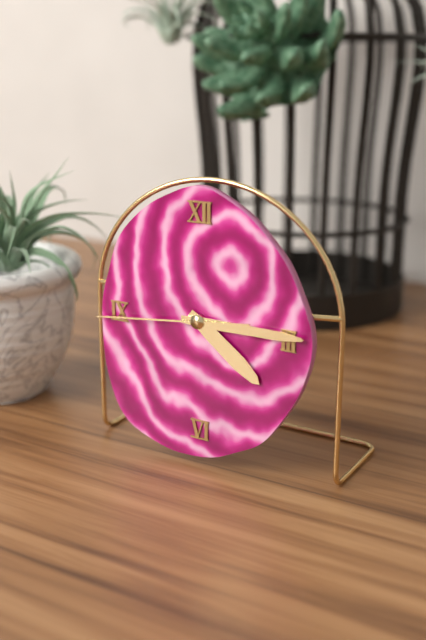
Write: 4:15:44
